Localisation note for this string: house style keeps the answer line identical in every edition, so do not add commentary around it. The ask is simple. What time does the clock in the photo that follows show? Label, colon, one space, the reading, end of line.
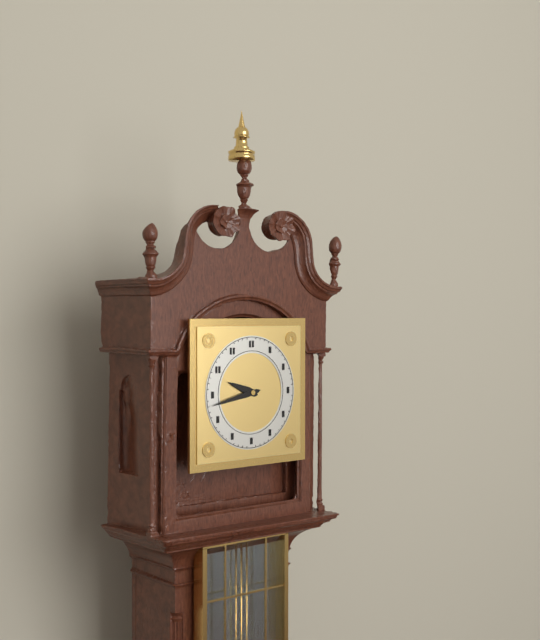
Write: 9:43
